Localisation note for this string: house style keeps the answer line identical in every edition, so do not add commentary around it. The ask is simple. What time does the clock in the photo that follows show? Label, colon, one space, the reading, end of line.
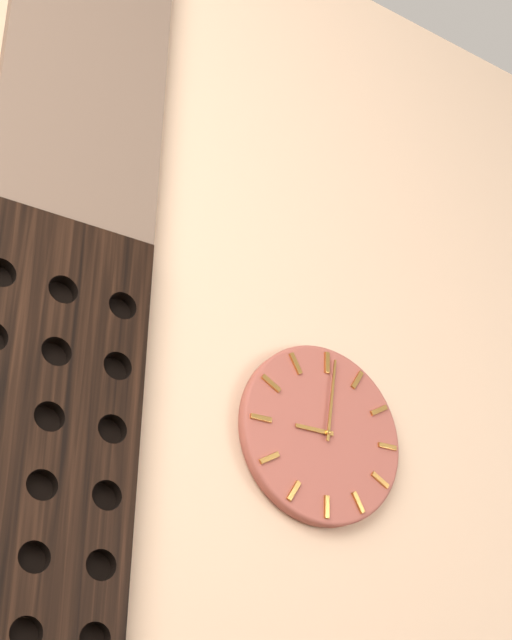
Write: 9:01
